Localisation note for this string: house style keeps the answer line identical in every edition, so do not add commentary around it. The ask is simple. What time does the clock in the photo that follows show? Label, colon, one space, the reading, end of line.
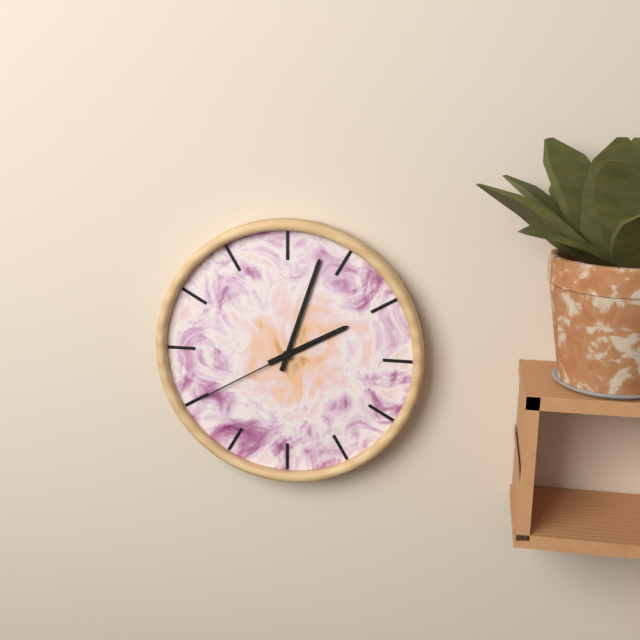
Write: 2:03:40
